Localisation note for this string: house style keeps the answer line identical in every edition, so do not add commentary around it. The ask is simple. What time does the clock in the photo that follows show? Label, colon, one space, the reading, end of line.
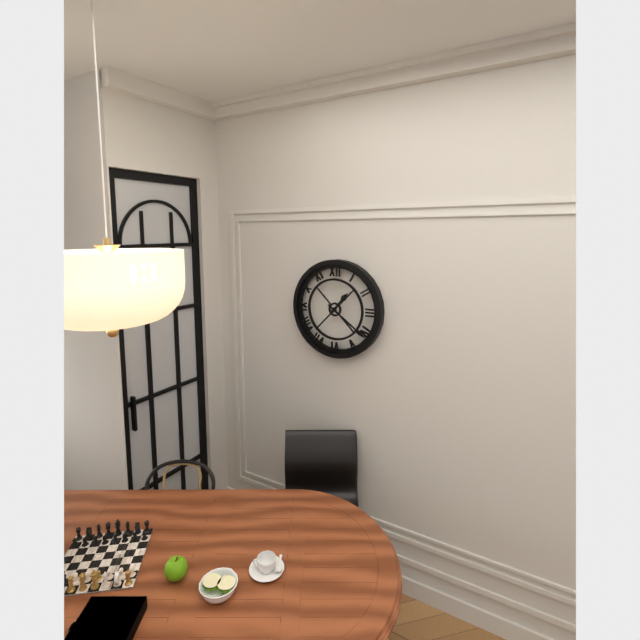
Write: 1:21
